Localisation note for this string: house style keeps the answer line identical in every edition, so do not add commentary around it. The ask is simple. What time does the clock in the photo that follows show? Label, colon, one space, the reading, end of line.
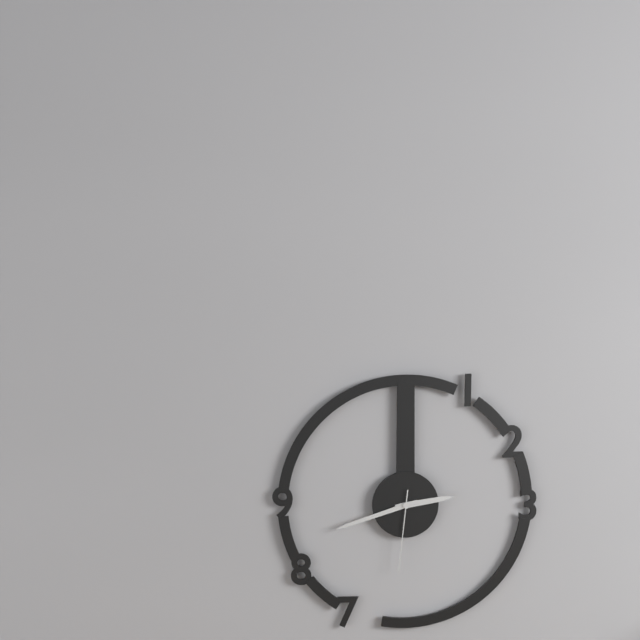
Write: 2:42:31
